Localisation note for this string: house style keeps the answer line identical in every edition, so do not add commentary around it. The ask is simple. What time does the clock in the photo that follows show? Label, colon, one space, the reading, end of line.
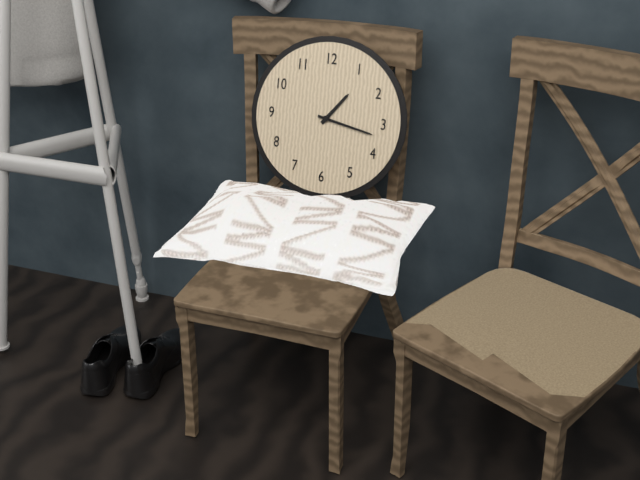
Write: 1:17
